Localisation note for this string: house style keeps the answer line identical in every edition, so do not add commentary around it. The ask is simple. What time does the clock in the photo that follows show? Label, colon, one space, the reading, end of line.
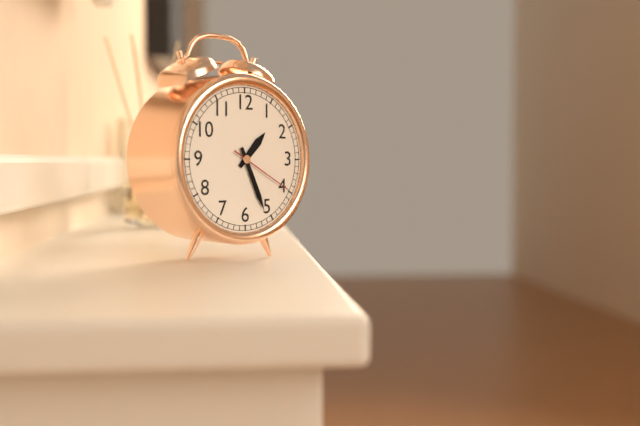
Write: 1:26:20
